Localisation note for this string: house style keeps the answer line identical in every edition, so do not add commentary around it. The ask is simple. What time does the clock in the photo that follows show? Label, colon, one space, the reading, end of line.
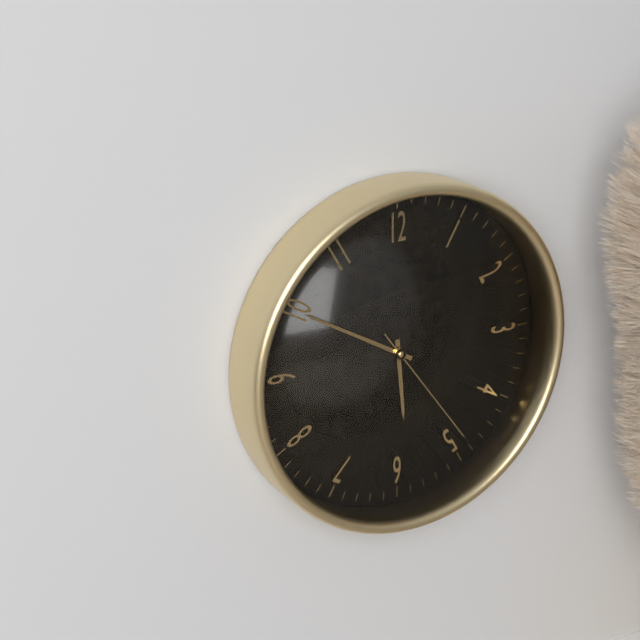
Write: 5:50:24
